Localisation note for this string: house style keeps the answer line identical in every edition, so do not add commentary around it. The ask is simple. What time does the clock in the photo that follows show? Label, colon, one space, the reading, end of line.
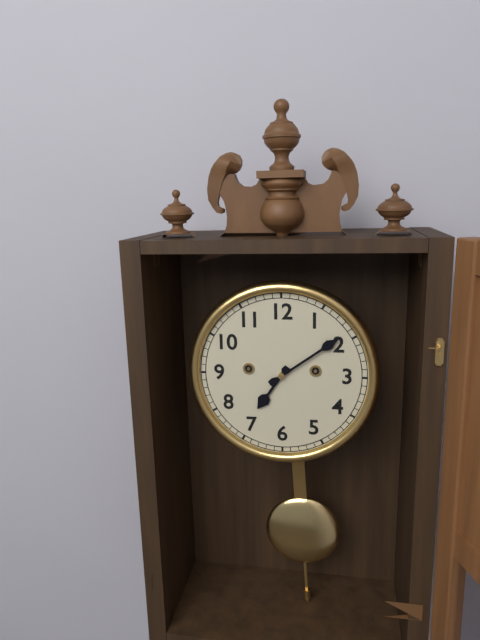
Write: 7:09
